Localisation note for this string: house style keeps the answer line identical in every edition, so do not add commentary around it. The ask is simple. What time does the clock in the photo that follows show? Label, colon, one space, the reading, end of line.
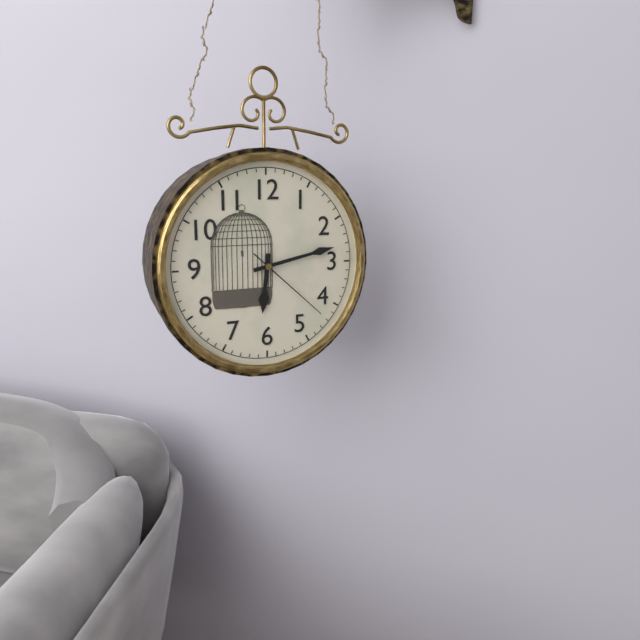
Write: 6:13:22
